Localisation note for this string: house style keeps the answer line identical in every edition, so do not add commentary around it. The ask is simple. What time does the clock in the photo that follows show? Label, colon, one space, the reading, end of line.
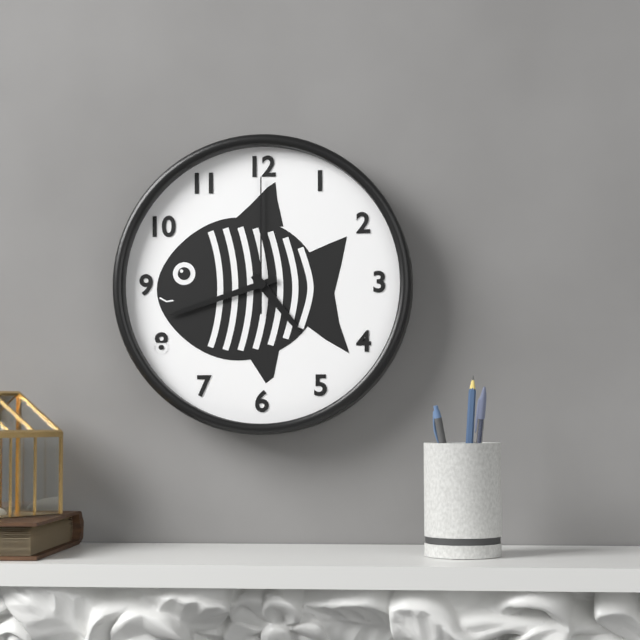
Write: 4:42:00
